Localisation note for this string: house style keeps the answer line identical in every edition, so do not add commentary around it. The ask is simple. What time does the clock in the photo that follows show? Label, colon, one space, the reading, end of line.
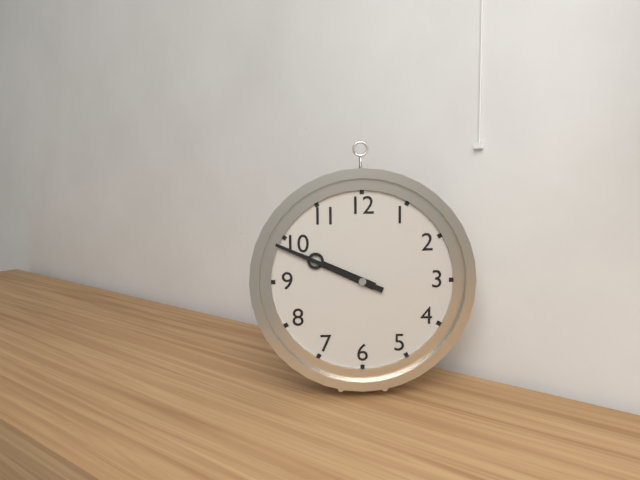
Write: 9:49
